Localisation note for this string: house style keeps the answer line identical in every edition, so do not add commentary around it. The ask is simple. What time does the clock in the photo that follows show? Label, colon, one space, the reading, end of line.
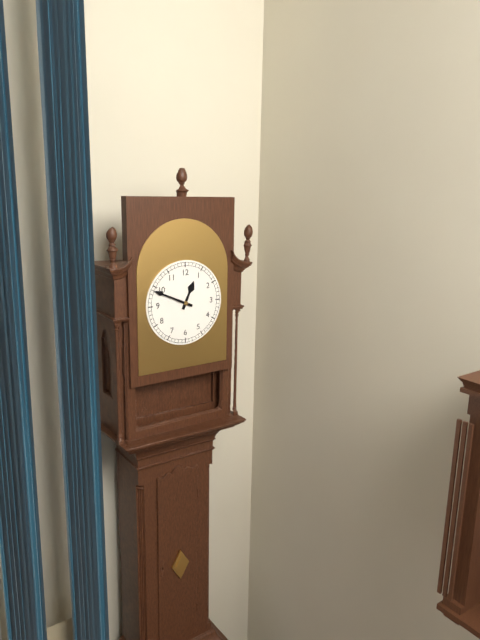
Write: 12:49
